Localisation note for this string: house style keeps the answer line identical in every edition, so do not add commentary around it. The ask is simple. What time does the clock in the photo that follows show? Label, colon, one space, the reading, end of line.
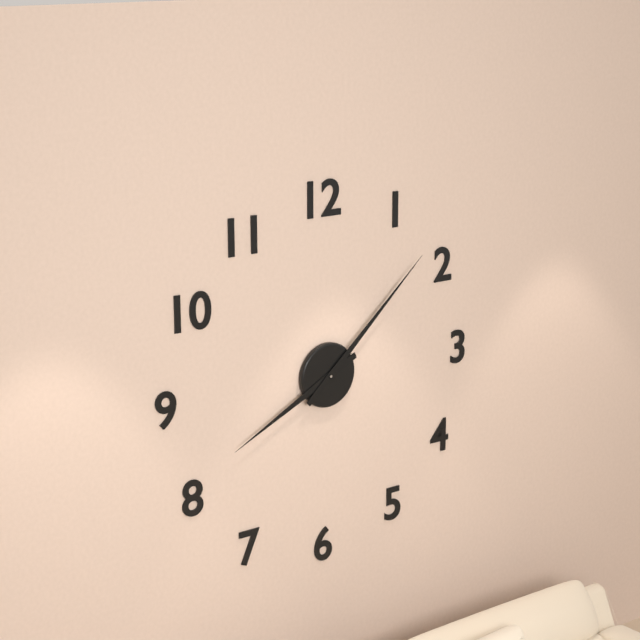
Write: 8:08
